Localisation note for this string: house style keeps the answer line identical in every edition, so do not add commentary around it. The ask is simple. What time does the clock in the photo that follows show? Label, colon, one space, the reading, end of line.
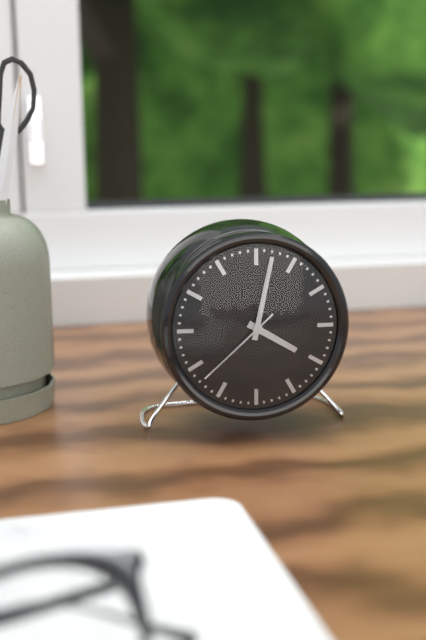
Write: 4:02:38
